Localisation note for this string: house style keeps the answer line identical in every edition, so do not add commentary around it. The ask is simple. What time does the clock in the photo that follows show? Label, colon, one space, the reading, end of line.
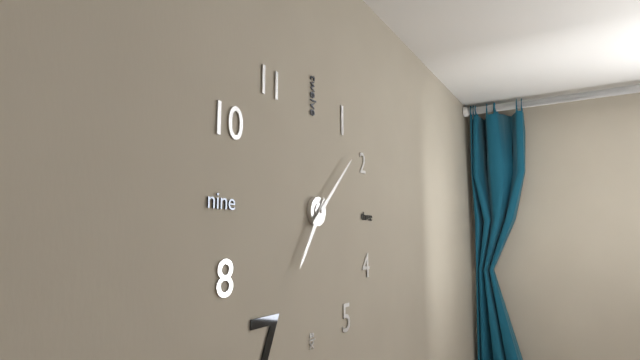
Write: 7:08
